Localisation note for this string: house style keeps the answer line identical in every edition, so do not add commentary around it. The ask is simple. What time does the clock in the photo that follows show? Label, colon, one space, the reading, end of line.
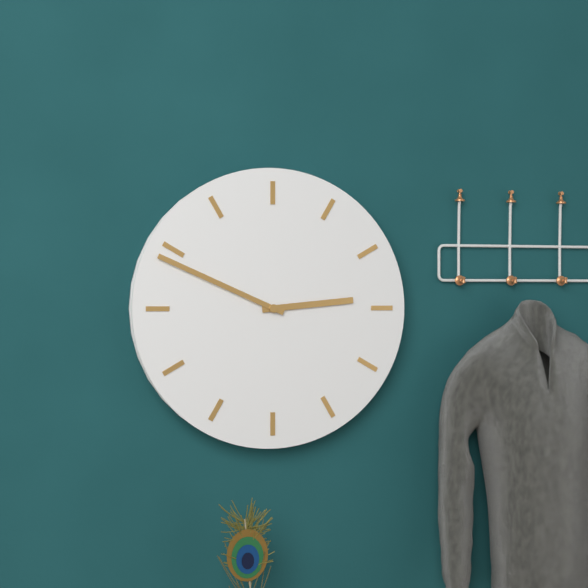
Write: 2:49
